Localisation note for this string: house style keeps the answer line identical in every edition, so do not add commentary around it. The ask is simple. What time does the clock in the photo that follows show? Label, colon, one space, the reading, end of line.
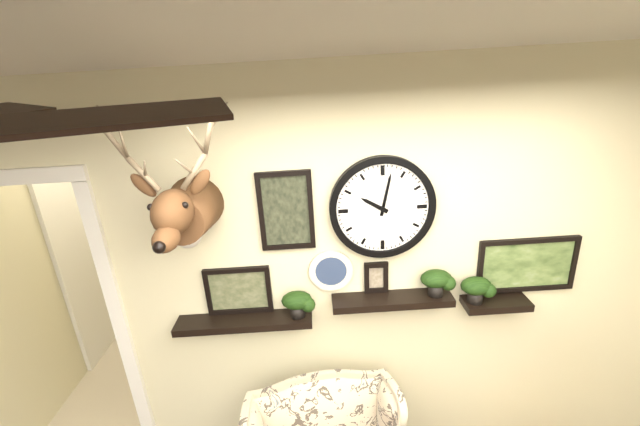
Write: 10:02
